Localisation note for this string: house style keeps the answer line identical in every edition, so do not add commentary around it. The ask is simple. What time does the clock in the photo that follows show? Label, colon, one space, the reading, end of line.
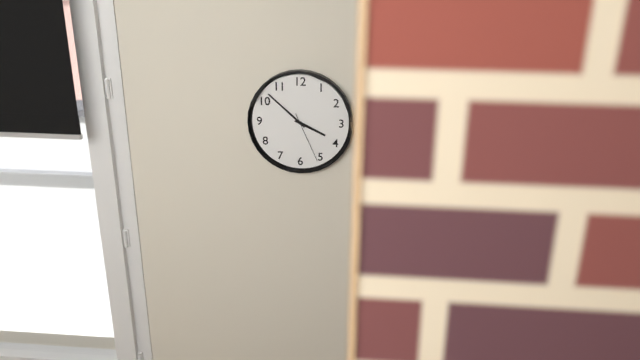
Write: 3:52:26
